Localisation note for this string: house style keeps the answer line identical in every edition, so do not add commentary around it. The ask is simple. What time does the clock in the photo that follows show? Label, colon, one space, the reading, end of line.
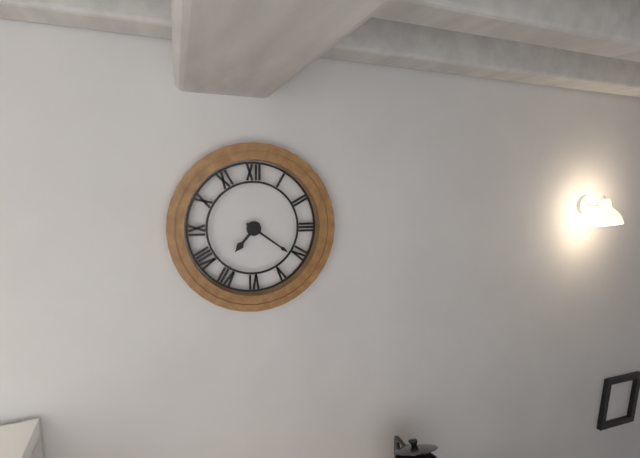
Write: 7:21
